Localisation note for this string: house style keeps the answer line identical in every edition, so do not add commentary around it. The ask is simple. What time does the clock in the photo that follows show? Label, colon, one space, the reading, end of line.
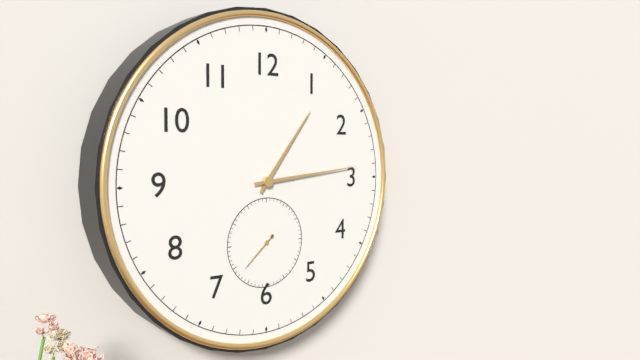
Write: 1:14
